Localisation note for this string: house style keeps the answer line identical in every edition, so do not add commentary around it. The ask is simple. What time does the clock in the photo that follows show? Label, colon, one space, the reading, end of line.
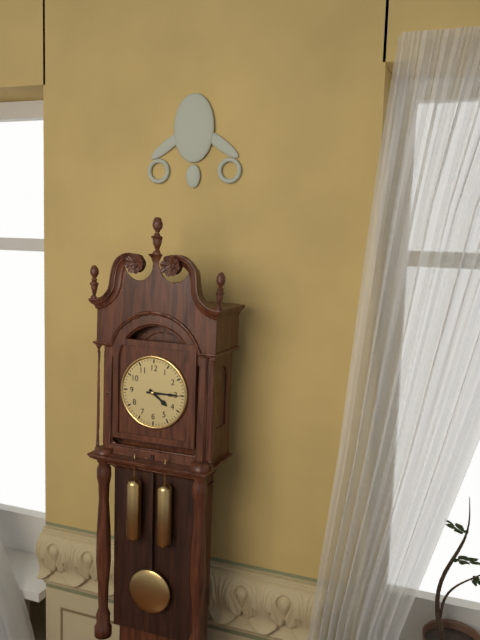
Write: 4:15
